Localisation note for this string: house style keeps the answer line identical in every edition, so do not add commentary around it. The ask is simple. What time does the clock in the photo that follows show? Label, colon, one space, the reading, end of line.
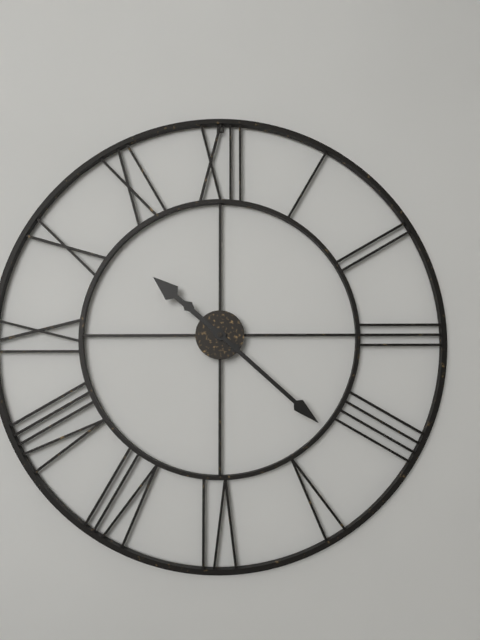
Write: 10:22
